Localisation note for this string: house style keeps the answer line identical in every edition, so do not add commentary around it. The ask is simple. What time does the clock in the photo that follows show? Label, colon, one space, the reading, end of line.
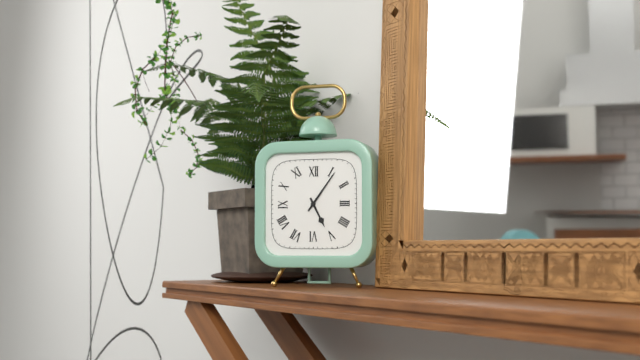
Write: 5:06
